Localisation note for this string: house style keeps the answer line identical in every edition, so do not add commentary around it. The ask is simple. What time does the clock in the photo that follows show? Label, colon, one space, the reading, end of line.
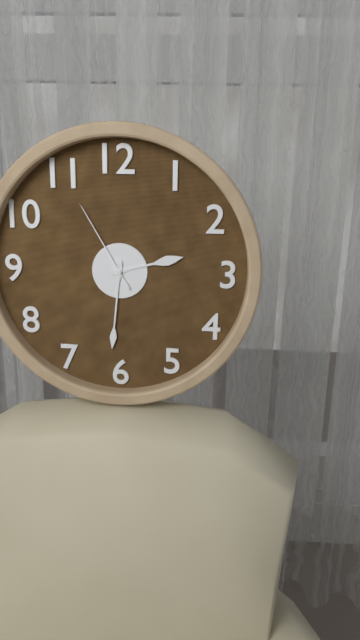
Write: 2:31:55
